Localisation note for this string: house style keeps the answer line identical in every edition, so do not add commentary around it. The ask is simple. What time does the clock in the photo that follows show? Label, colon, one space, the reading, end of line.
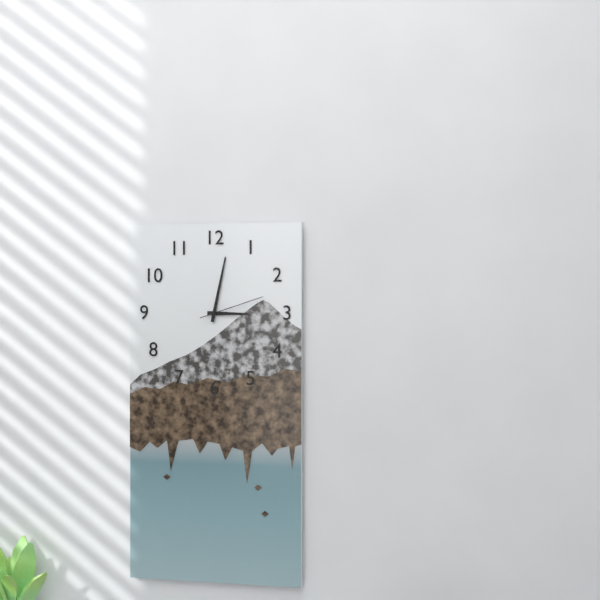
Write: 3:02:12
